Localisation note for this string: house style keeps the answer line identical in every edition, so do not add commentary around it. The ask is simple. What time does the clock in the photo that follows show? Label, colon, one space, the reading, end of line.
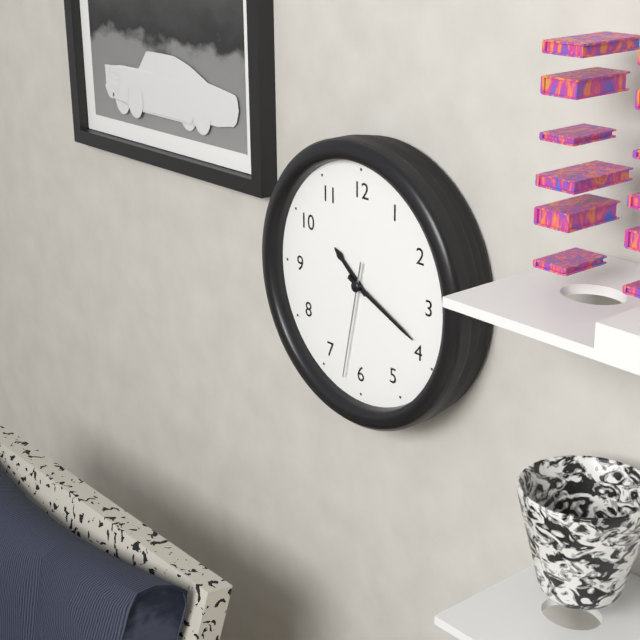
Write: 10:19:32
